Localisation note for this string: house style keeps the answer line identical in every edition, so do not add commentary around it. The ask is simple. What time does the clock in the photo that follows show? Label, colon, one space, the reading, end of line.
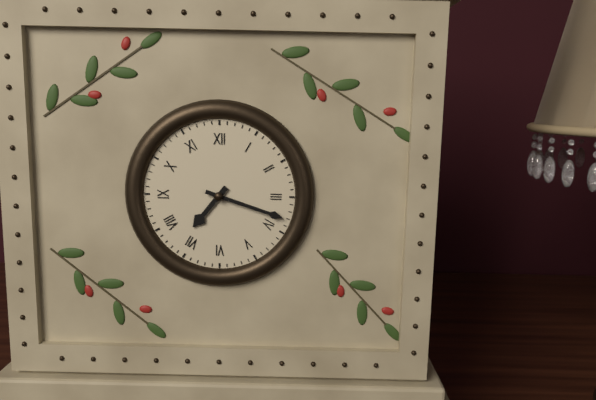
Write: 7:18
